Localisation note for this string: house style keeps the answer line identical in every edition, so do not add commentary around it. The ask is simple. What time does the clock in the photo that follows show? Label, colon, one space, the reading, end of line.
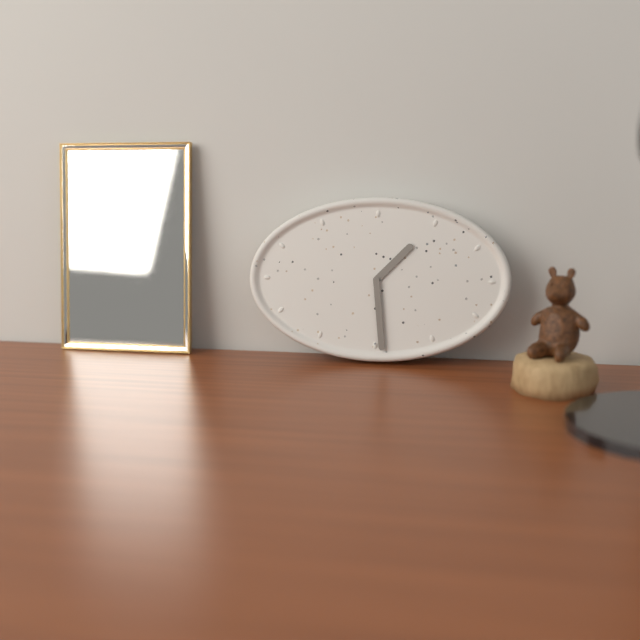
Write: 1:29
